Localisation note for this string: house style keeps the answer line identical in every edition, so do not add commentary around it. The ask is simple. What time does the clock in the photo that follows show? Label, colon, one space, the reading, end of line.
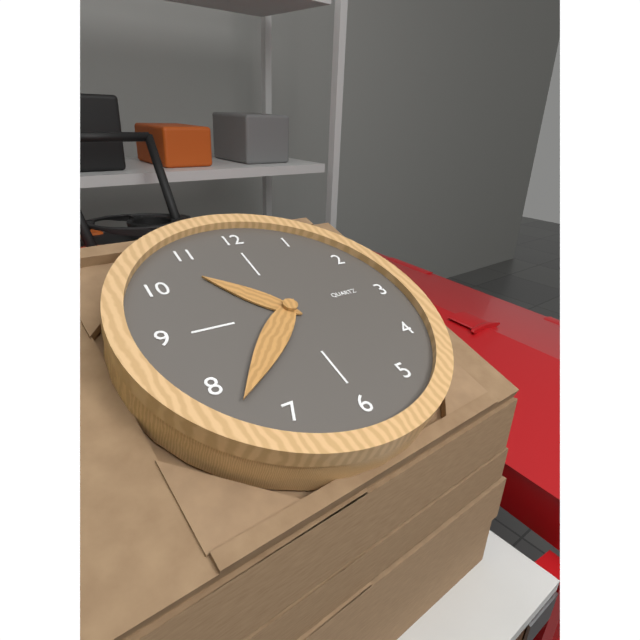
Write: 10:38
